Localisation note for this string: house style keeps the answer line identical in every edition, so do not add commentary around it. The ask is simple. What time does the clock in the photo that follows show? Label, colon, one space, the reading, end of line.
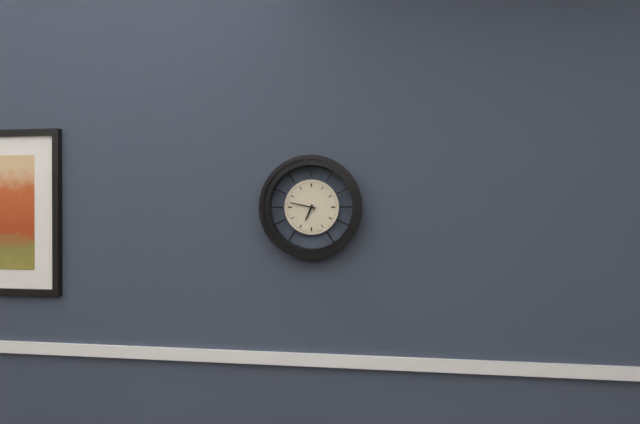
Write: 6:47
